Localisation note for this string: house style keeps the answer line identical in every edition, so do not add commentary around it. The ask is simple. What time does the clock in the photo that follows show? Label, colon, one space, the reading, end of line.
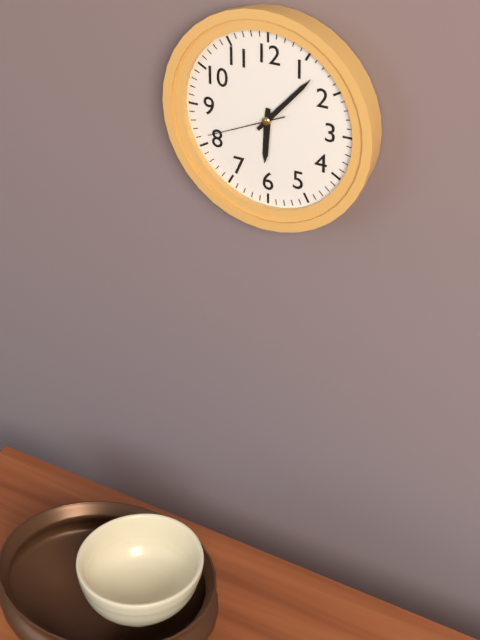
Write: 6:07:41
